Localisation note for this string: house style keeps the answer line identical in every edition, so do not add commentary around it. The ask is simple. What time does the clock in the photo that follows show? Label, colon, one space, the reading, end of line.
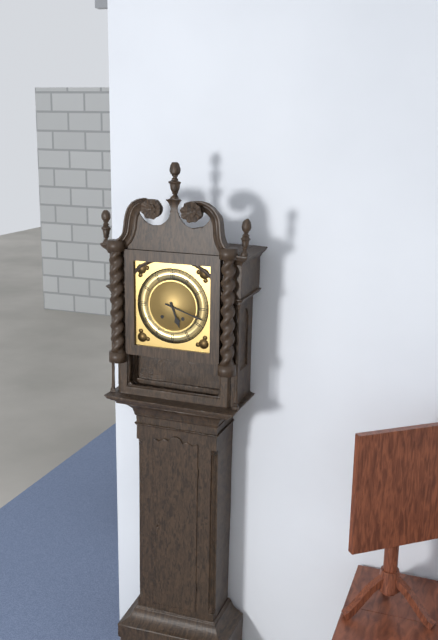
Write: 5:18
